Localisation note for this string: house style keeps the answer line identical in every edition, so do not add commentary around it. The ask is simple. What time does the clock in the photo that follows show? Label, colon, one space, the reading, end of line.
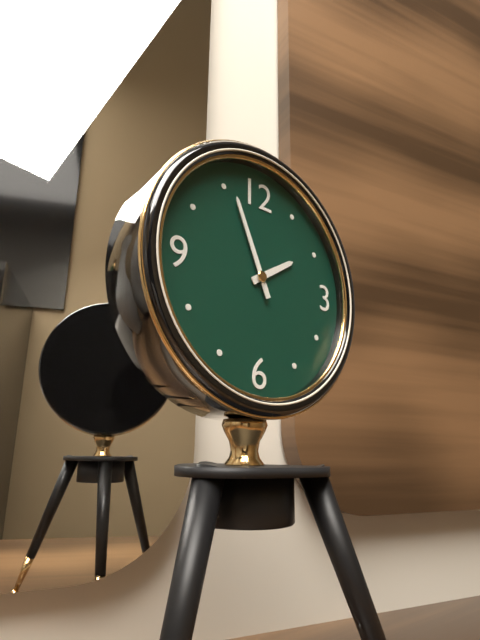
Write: 1:56
